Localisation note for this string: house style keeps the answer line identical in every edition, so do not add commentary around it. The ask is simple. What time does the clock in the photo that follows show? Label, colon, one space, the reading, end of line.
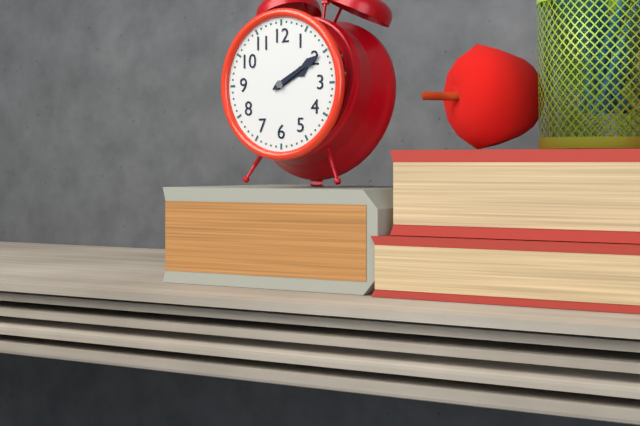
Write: 2:10
